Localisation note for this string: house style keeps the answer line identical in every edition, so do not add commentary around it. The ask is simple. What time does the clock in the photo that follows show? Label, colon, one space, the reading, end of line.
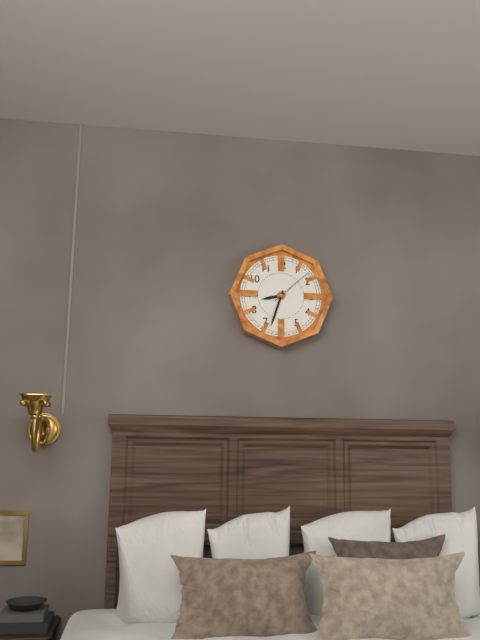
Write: 8:33
